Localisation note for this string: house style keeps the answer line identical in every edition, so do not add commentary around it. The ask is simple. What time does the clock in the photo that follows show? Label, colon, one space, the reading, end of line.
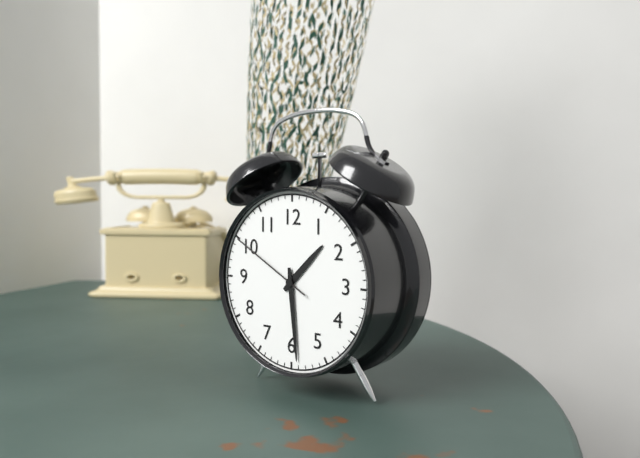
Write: 1:29:50
